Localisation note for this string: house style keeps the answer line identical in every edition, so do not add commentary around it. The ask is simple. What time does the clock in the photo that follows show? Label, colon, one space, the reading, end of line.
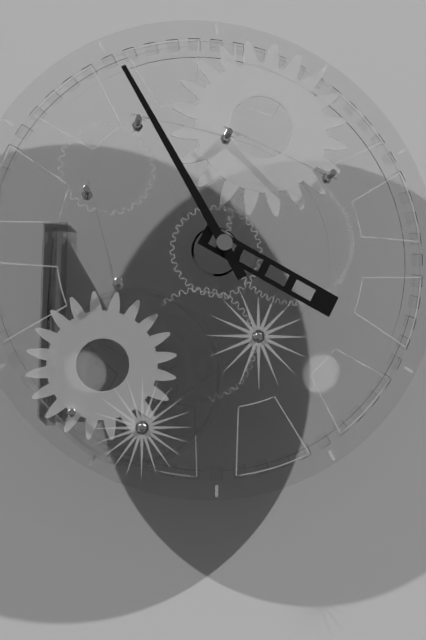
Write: 3:55
